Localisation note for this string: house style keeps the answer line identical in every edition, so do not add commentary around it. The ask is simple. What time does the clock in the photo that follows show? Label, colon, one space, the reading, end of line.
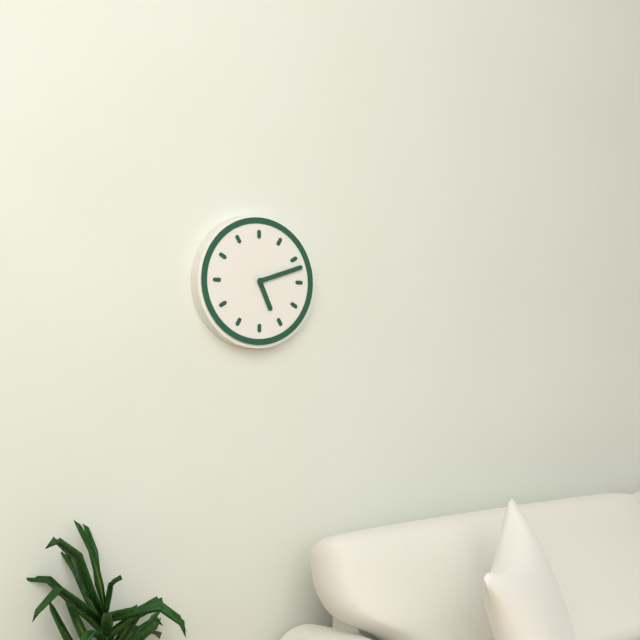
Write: 5:12
